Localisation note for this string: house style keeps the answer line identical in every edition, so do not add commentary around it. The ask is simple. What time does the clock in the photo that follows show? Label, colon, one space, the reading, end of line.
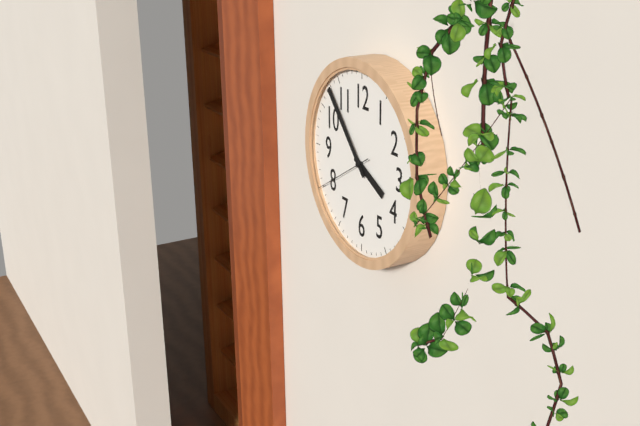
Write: 3:53:40
